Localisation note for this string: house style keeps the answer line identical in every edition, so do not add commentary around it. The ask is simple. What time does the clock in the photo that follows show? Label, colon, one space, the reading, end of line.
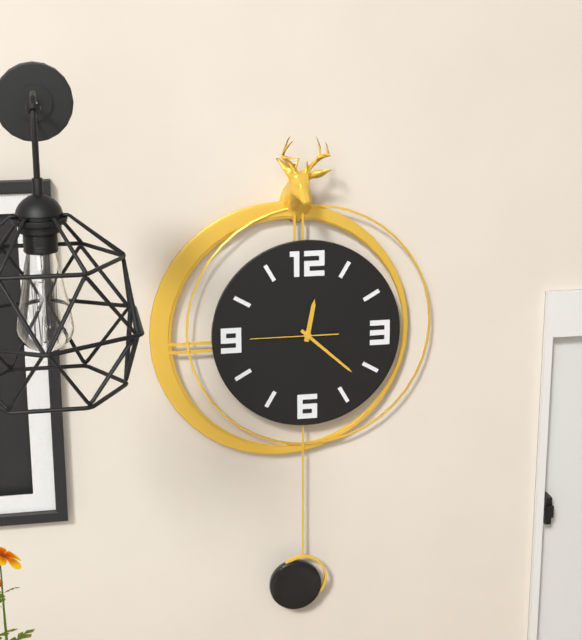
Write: 12:22:45
